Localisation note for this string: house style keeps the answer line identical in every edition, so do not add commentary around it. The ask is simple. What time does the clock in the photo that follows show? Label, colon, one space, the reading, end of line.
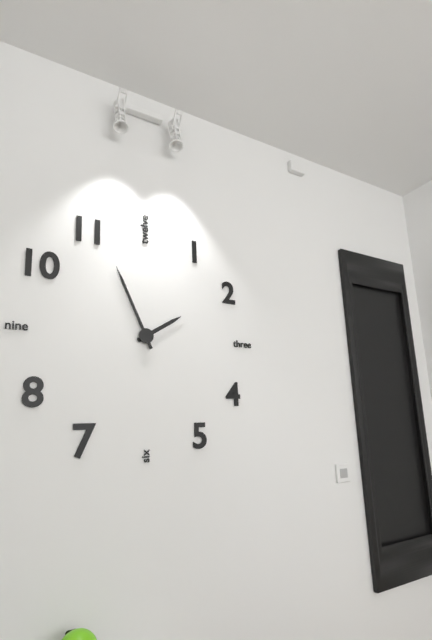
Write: 1:56
